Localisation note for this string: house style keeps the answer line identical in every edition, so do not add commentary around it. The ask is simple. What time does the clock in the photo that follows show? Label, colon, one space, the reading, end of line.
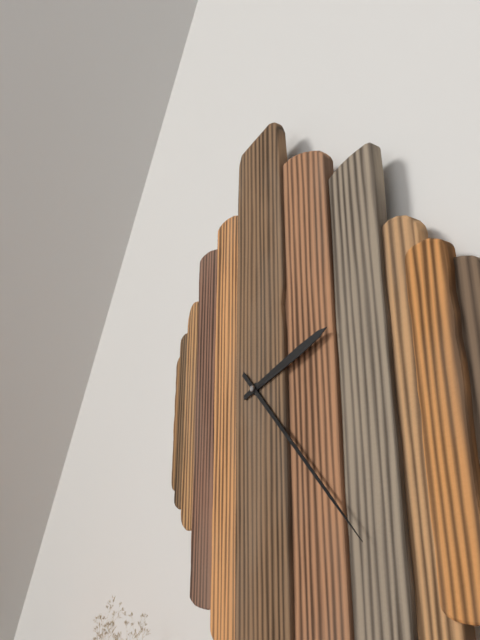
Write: 2:22
